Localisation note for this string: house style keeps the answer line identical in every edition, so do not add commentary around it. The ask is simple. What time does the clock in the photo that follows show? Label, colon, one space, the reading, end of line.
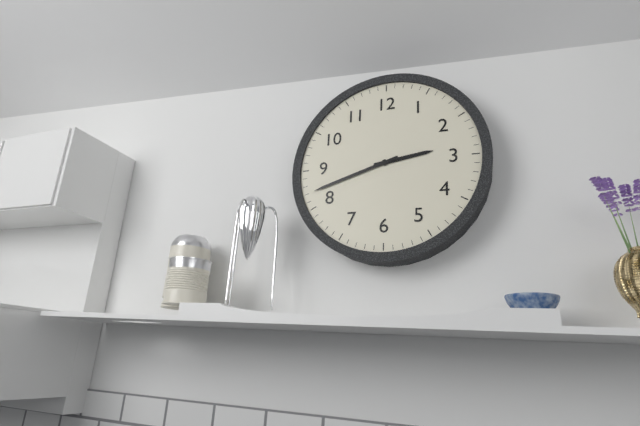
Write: 2:42
